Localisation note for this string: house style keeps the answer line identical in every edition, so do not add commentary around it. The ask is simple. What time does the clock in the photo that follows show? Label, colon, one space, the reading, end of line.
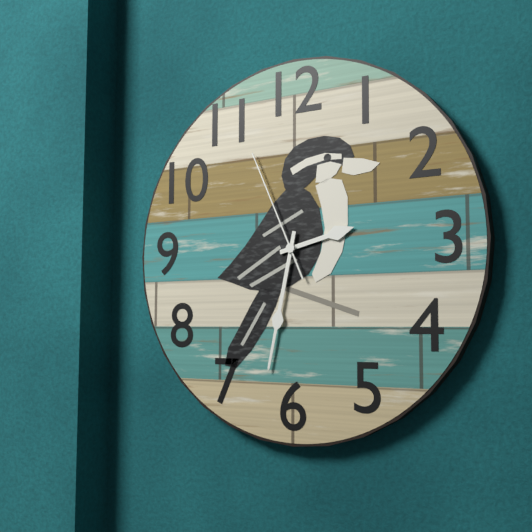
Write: 2:32:56
